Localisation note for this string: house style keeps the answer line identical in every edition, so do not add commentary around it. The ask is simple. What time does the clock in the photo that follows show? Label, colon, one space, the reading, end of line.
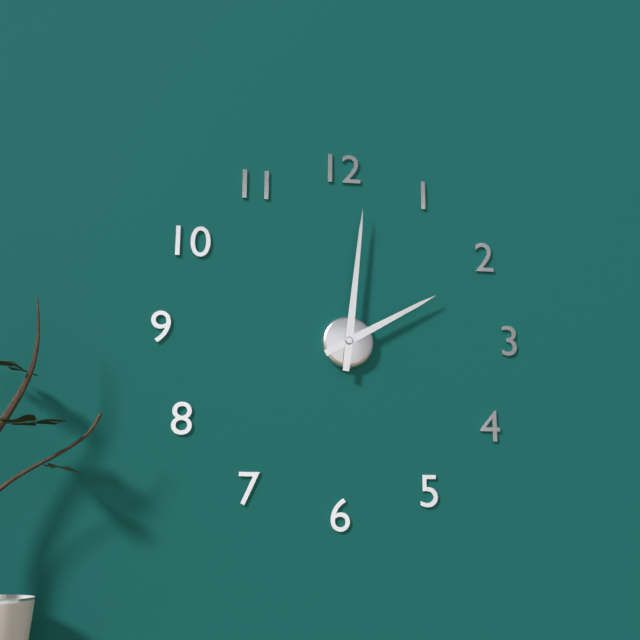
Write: 2:01
